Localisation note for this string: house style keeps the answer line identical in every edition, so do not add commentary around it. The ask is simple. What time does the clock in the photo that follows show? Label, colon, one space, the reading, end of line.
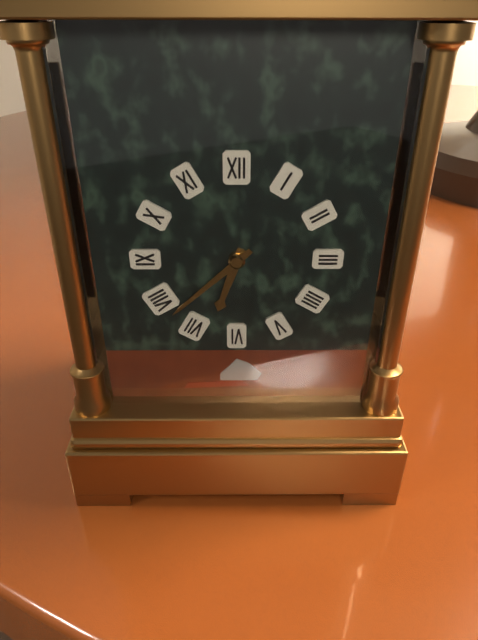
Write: 6:38
